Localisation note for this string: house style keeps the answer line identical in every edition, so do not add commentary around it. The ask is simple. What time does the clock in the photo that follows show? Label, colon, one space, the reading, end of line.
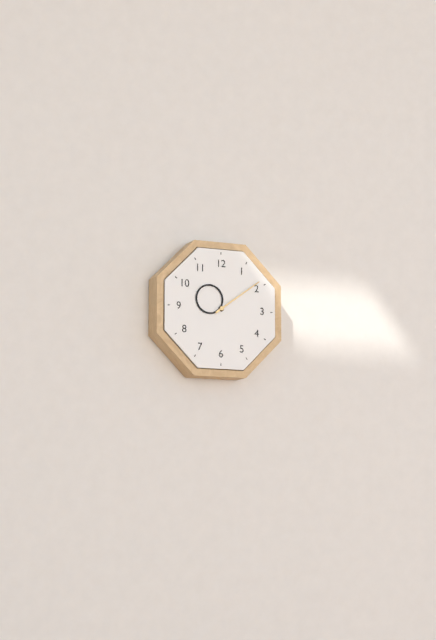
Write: 10:09
